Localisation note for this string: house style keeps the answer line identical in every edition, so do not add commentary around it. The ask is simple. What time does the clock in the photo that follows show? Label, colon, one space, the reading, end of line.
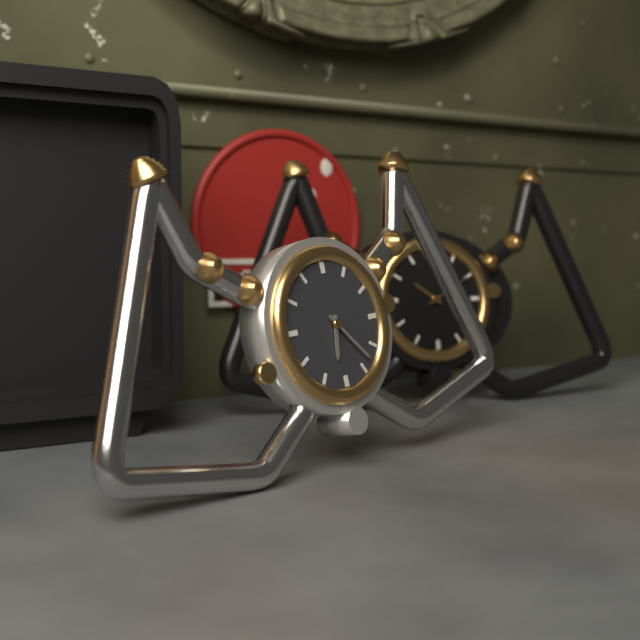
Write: 6:23
